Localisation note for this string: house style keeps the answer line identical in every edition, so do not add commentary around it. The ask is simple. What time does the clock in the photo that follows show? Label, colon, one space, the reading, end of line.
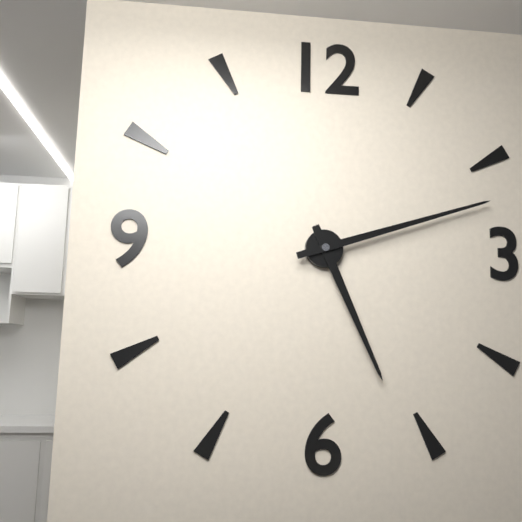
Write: 5:12
